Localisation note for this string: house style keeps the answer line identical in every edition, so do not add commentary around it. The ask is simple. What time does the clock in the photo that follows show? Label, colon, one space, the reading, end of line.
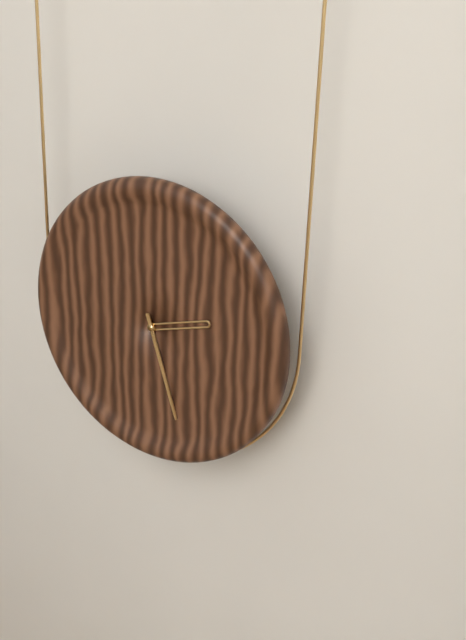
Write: 2:27
